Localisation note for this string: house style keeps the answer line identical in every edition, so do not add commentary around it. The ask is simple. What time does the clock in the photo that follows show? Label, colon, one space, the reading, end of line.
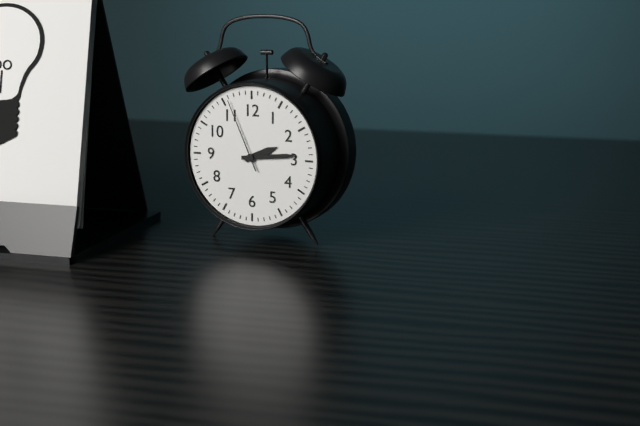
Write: 2:14:56
